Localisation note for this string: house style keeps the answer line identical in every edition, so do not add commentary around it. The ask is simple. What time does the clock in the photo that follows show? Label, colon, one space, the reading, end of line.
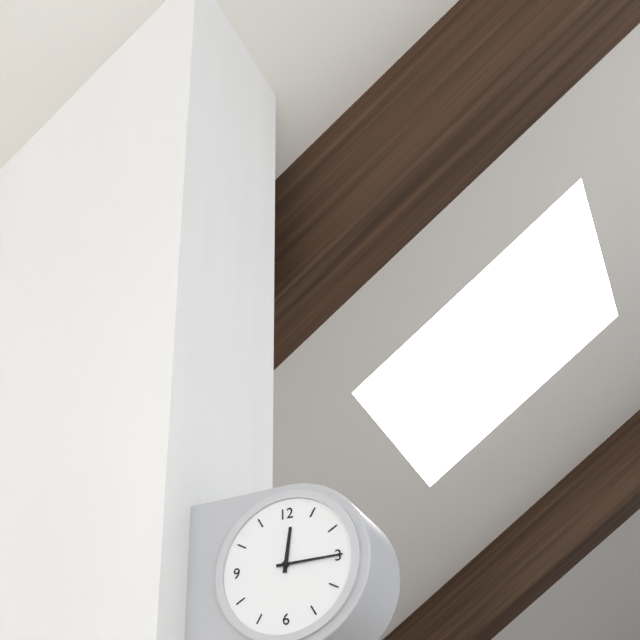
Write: 12:15
